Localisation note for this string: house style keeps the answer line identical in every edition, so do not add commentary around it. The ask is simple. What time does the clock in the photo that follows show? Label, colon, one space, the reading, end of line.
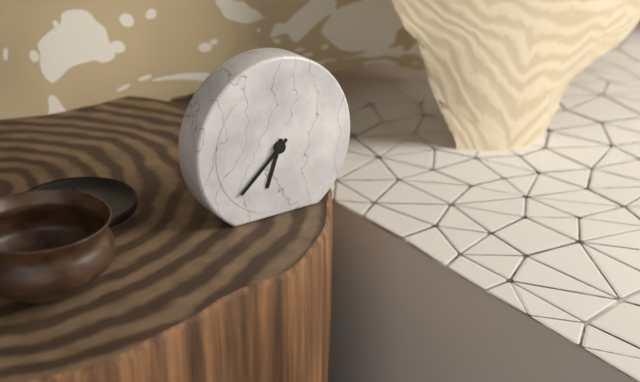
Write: 6:38
